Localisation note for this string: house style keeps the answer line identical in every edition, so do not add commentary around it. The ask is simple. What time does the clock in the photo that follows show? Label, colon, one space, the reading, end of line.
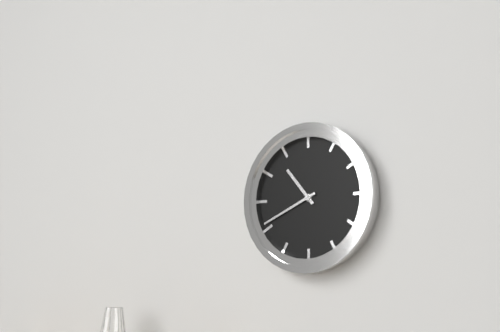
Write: 10:41
